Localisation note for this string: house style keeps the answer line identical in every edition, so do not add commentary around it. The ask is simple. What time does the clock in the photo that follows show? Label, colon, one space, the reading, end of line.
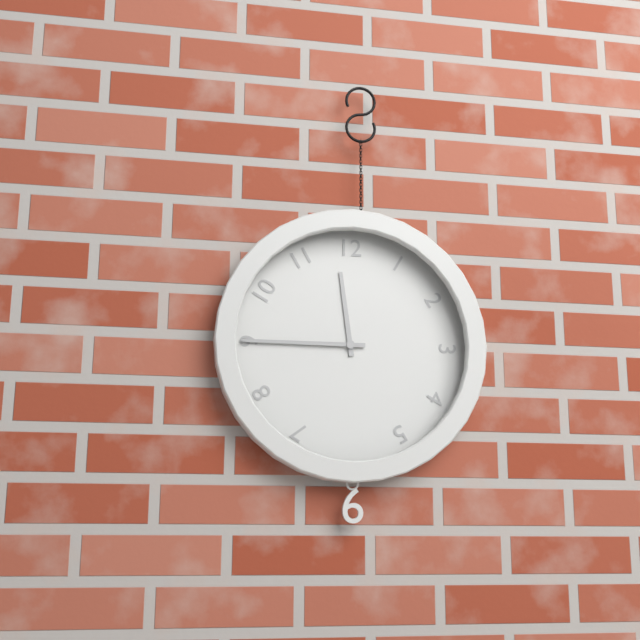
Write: 11:45
